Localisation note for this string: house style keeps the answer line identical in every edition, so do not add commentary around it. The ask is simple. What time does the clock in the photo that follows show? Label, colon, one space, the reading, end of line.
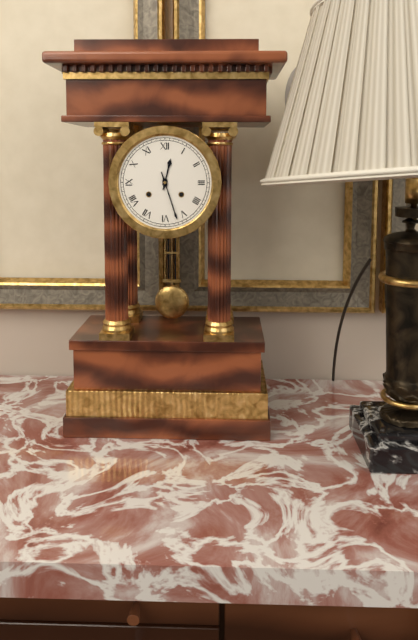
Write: 12:27
